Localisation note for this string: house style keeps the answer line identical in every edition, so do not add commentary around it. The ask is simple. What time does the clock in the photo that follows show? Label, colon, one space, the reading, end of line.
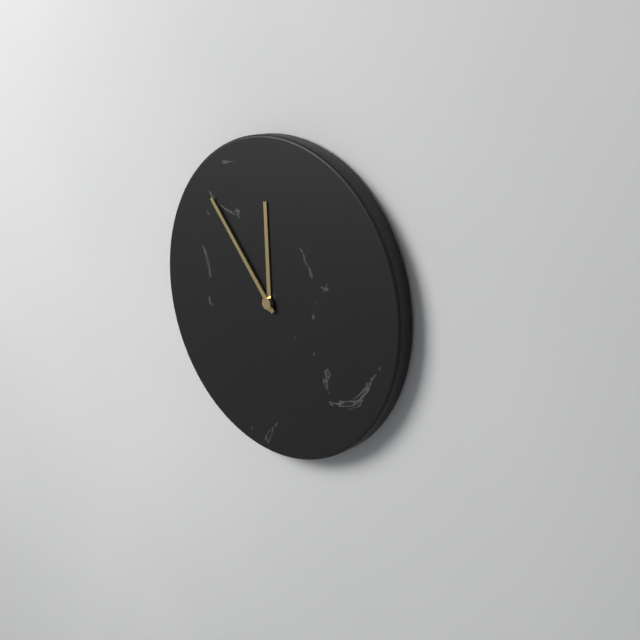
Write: 11:53
